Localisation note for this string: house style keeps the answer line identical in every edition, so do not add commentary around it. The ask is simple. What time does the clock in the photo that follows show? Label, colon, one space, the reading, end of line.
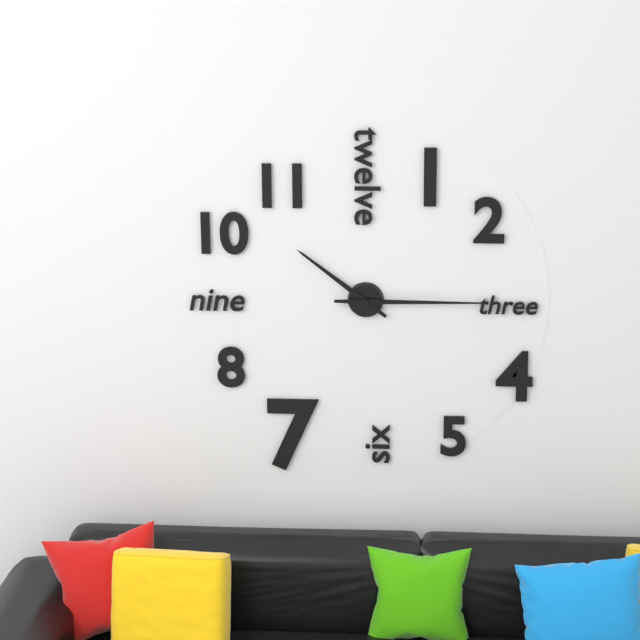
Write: 10:15
